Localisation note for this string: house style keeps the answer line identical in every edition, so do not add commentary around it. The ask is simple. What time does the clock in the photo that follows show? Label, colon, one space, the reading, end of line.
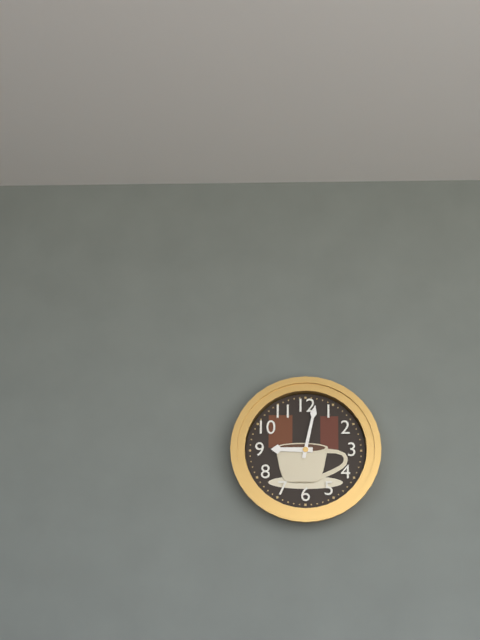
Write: 9:02
